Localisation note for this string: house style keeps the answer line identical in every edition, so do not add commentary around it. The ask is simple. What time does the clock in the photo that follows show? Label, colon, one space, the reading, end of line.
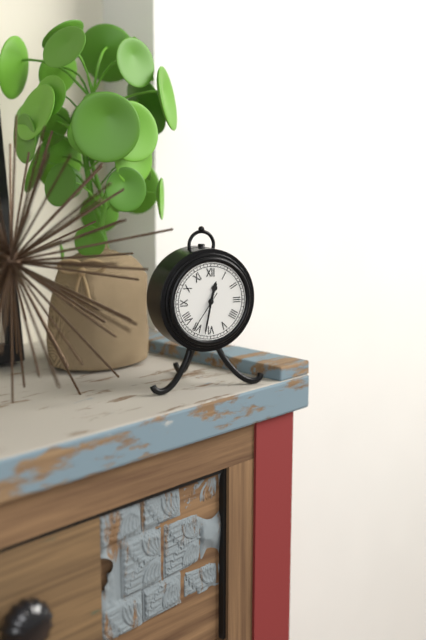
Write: 12:32
